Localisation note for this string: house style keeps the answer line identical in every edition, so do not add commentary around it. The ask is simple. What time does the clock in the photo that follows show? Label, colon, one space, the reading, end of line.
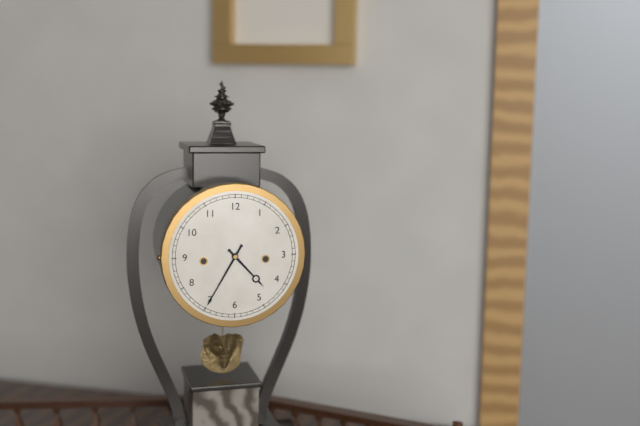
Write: 4:35
